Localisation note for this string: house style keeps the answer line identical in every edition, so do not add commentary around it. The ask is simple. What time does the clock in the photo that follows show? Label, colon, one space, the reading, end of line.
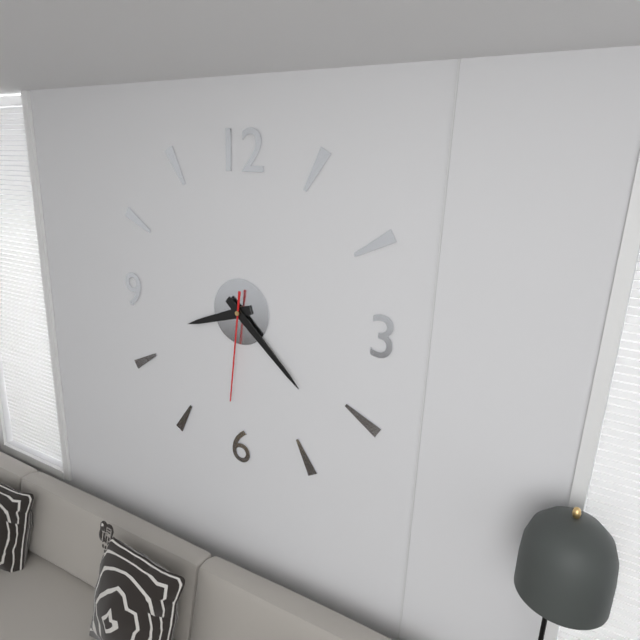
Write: 8:22:31
